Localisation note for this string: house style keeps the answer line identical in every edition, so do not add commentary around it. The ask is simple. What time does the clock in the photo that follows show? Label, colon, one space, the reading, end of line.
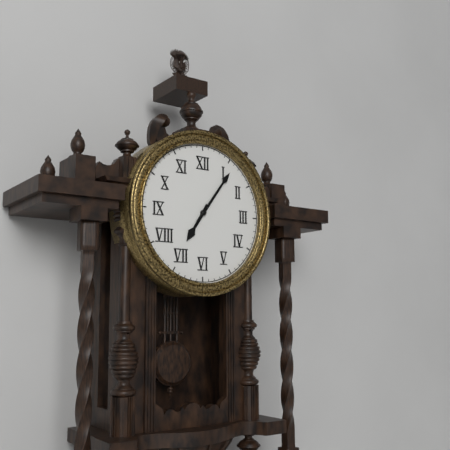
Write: 7:06
